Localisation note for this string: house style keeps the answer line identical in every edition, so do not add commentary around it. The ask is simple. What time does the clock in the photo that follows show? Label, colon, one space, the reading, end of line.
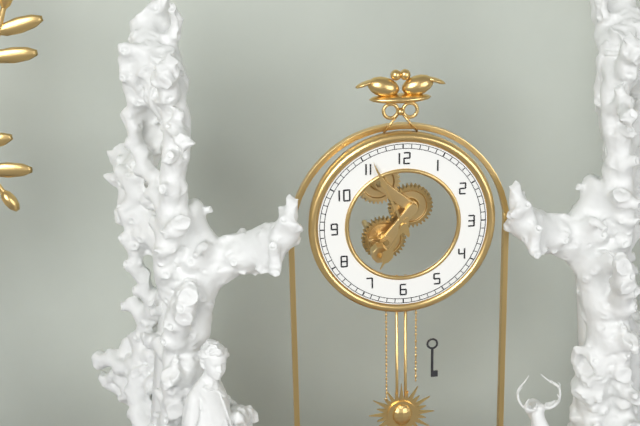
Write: 6:56
